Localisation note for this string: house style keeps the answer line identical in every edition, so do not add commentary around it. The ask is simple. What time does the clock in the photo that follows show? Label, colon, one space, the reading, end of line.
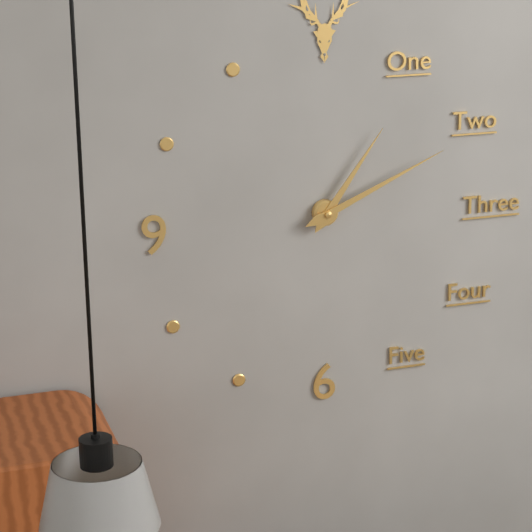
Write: 1:11
